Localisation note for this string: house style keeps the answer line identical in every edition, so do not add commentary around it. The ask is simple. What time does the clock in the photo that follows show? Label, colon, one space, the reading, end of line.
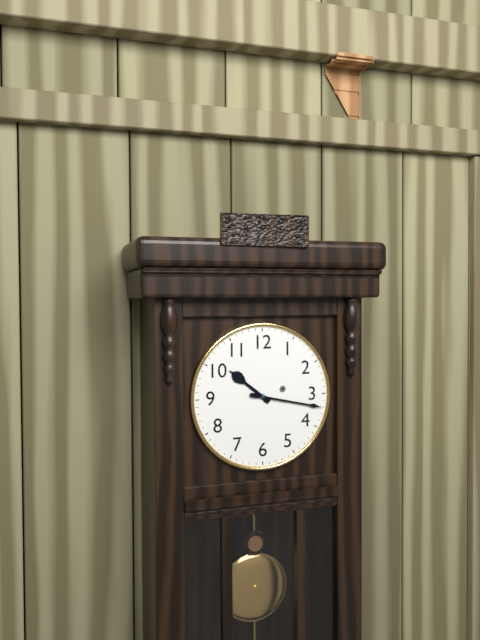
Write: 10:17
